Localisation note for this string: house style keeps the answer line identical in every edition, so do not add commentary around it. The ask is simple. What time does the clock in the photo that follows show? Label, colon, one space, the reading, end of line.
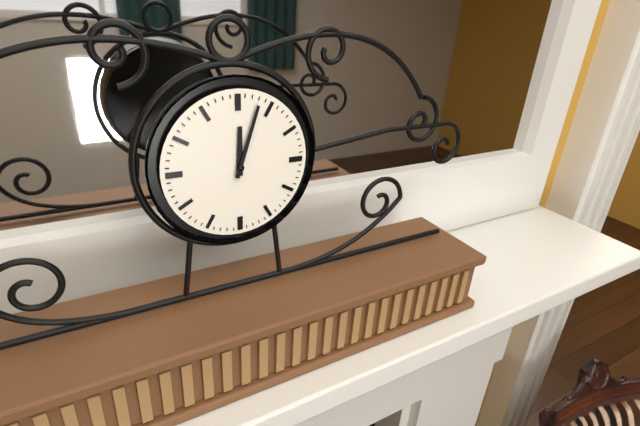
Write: 12:03
